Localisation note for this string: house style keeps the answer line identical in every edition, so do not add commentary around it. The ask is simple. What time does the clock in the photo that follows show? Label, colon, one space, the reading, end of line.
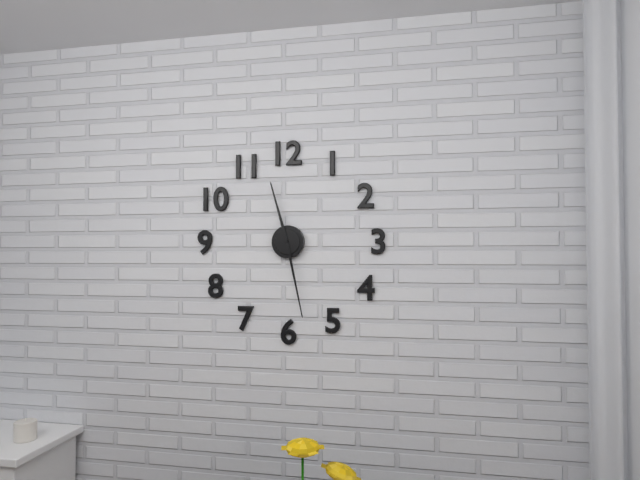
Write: 11:28
